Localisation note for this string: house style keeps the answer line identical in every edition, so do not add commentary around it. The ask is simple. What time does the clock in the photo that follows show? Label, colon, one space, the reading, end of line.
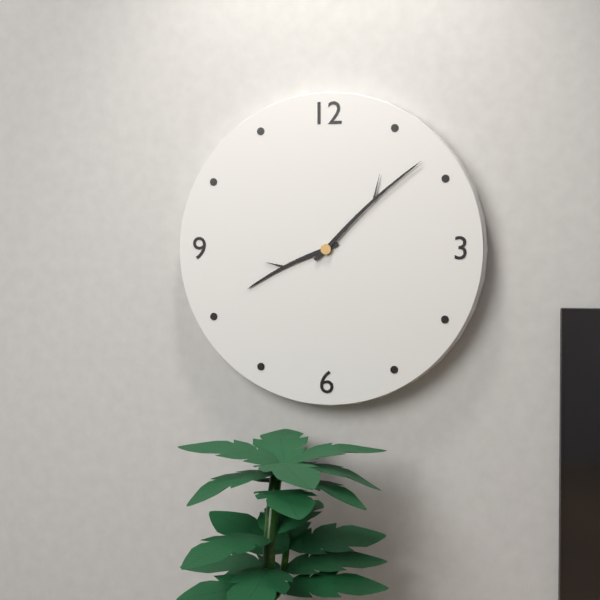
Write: 8:08
